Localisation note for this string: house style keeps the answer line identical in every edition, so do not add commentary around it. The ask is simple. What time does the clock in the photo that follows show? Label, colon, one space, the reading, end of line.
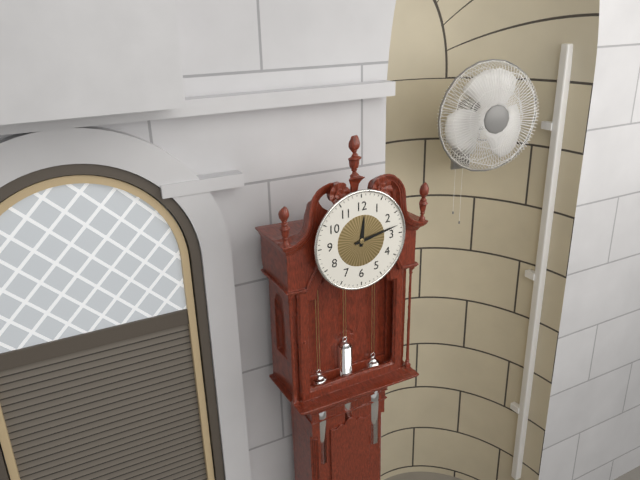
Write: 12:13
